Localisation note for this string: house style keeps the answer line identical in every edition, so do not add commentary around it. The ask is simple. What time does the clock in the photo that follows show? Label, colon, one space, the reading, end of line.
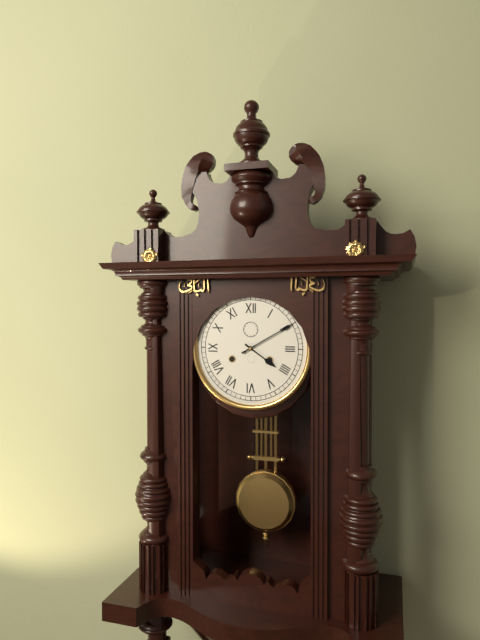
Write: 4:10
